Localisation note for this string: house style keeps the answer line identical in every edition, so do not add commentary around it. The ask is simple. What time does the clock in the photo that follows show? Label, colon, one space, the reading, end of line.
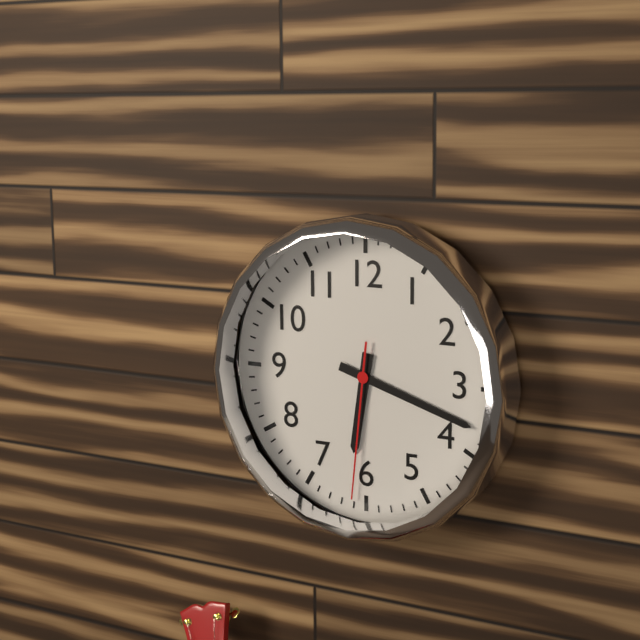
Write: 6:18:31
